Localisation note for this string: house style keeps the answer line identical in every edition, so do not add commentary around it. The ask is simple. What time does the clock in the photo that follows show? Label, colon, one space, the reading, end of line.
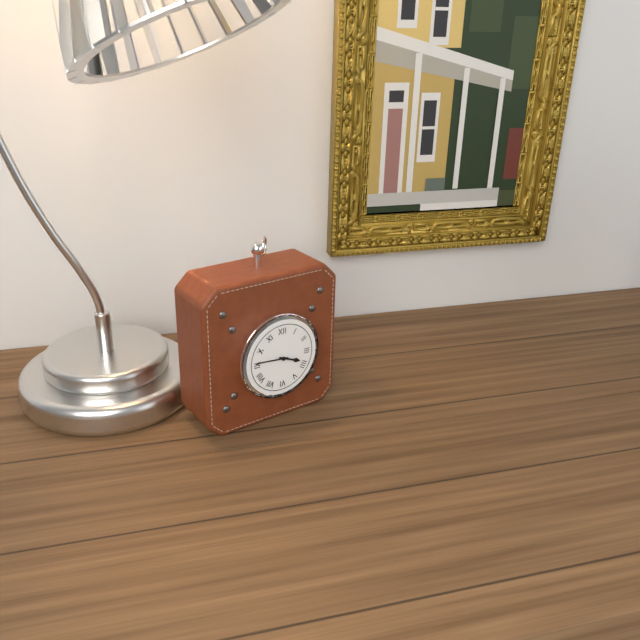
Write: 3:46
